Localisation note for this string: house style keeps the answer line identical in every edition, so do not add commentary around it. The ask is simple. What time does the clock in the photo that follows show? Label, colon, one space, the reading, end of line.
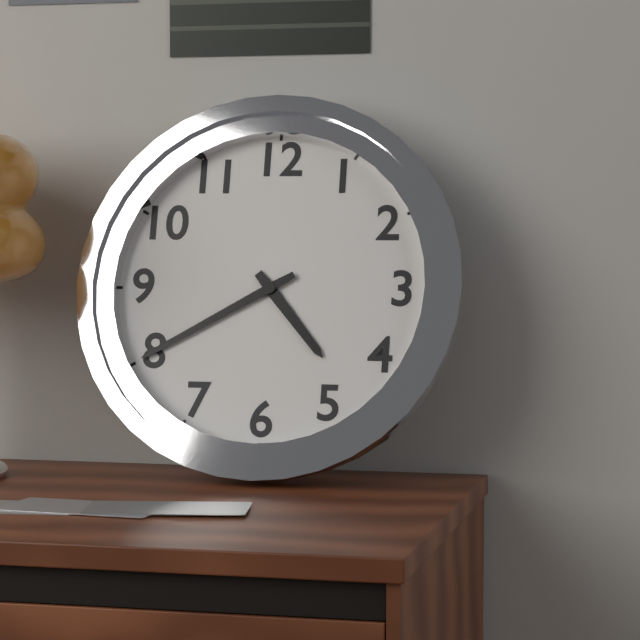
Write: 4:40
